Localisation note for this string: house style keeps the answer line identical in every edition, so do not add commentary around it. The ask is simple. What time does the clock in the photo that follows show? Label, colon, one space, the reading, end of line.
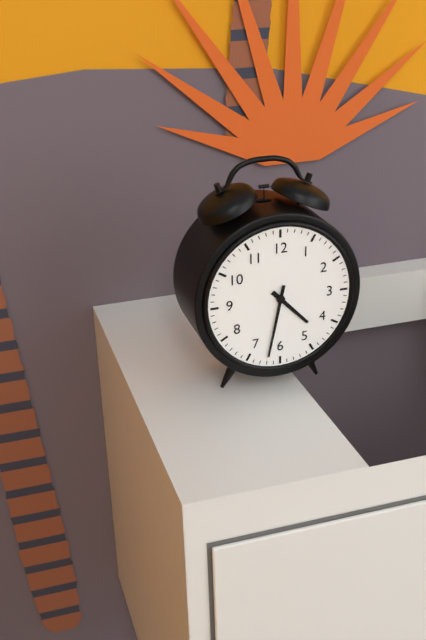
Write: 4:32
